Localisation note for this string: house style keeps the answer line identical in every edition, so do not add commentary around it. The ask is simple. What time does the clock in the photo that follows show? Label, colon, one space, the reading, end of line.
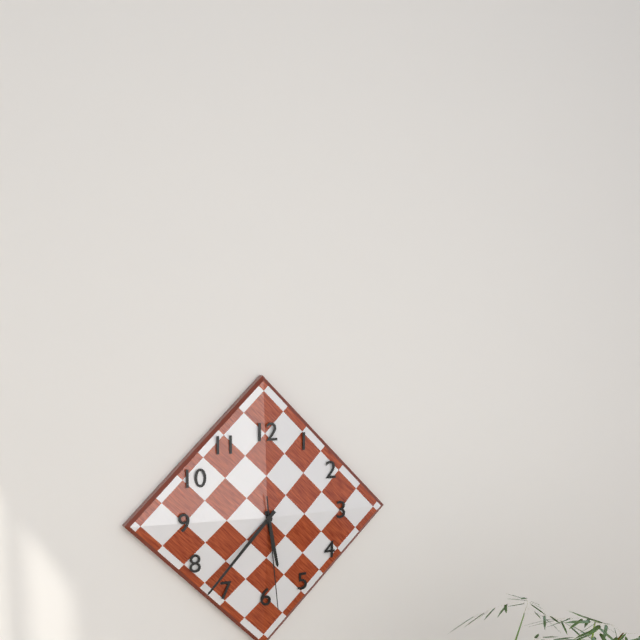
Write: 5:37:29
